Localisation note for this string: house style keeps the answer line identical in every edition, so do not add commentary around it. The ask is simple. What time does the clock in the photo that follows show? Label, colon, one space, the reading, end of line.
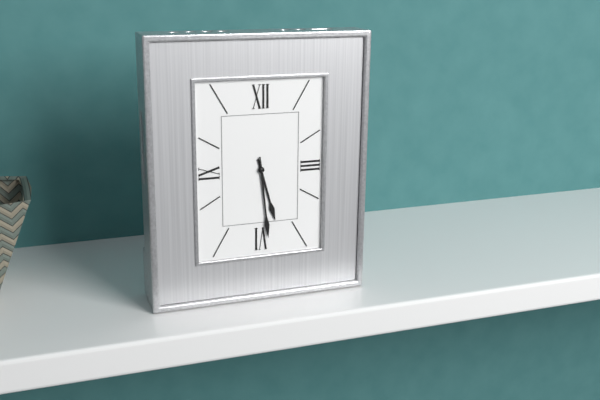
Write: 5:29
